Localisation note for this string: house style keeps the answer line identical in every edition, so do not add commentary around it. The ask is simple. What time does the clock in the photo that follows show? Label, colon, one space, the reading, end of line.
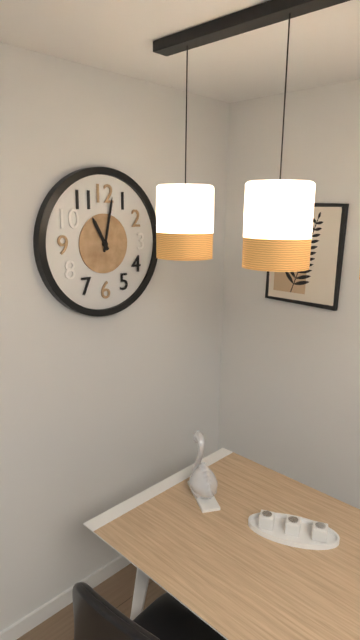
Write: 11:02
